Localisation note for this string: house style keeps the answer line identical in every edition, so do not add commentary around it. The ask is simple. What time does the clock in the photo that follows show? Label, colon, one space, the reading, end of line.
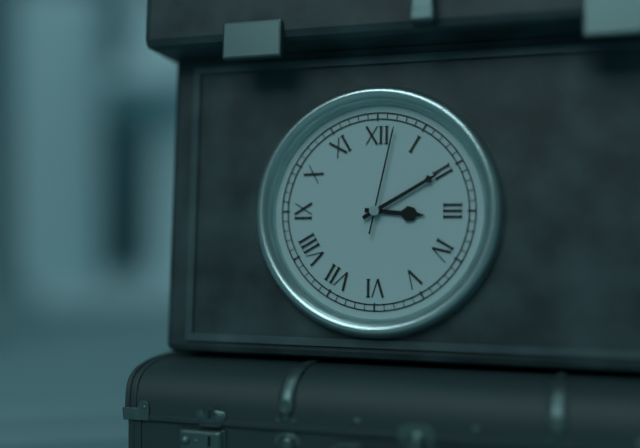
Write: 3:10:02
